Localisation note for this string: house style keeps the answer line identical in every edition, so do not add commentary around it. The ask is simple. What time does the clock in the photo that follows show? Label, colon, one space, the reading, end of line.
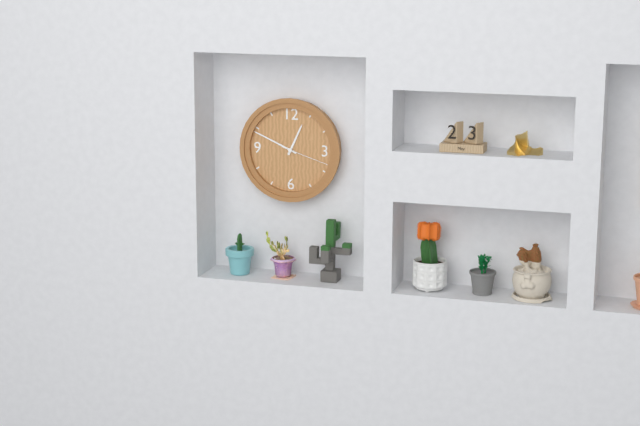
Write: 12:49:18
